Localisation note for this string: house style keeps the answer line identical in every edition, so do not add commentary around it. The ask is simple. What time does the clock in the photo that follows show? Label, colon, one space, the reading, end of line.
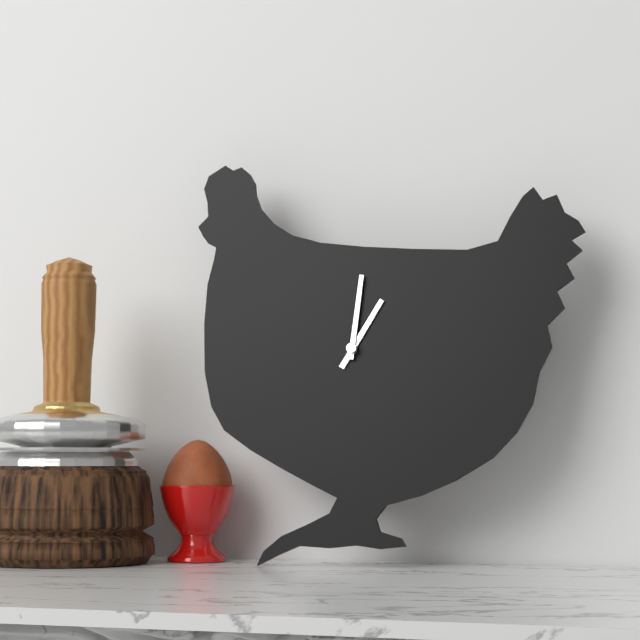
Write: 1:01
